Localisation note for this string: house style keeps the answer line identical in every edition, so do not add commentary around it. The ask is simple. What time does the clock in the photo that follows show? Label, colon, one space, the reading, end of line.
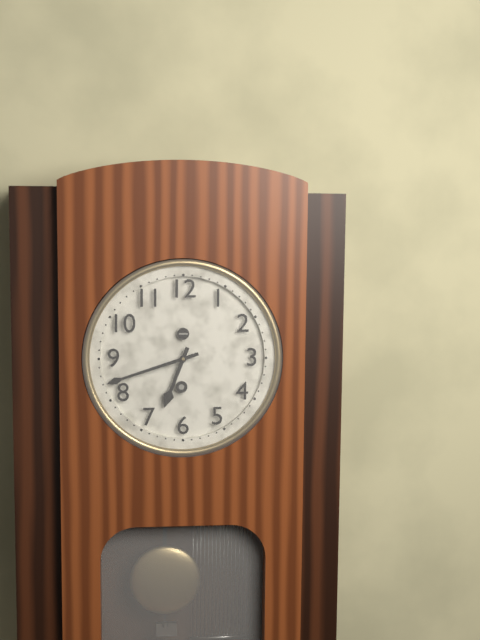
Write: 6:42
